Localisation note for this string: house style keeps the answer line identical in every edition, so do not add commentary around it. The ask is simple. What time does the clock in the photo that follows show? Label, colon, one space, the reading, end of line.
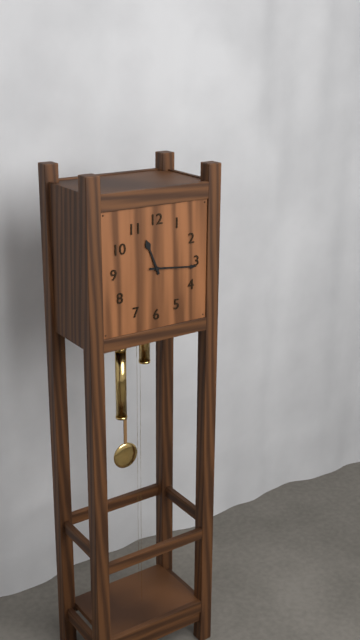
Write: 11:16
